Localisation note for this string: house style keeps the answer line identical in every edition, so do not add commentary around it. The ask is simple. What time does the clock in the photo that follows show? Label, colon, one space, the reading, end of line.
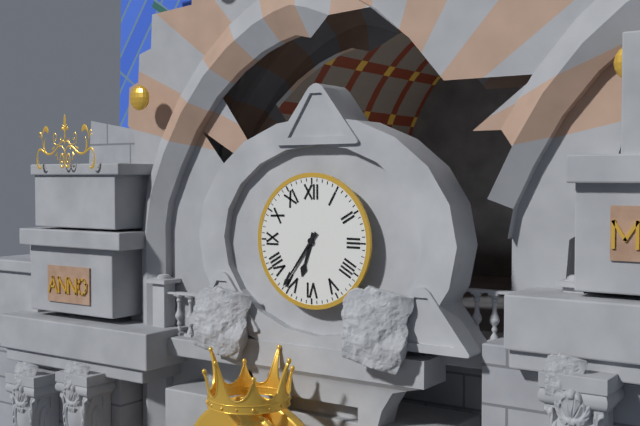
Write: 6:36
